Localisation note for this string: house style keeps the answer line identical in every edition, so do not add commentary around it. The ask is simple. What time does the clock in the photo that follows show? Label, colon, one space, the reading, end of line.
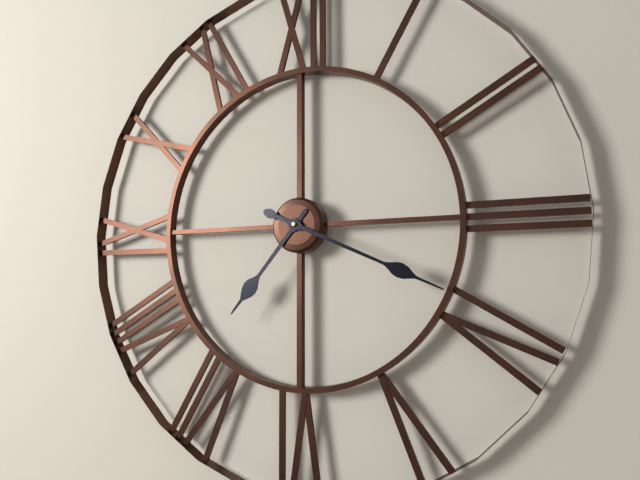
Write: 7:19
